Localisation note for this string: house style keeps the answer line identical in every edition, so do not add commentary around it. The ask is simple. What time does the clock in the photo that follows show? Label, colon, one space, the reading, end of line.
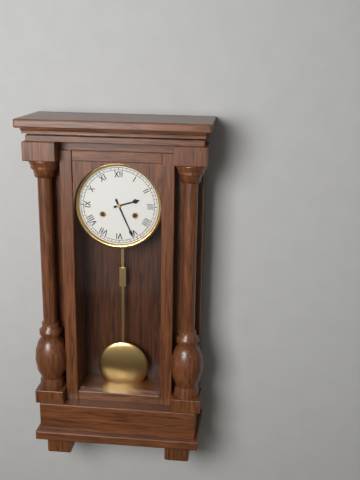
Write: 2:26
